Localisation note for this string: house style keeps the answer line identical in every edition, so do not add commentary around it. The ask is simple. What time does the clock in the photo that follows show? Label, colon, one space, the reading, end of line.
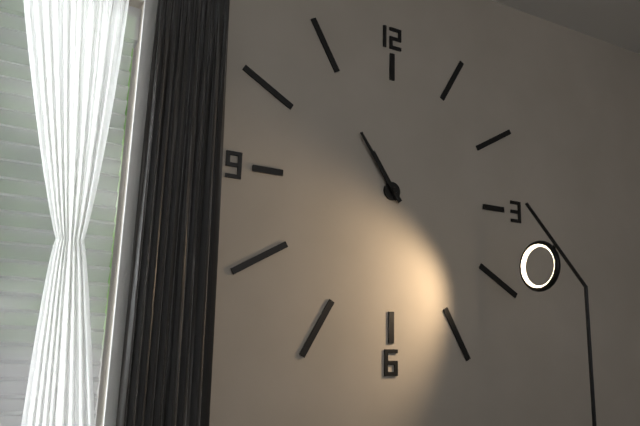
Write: 10:54
